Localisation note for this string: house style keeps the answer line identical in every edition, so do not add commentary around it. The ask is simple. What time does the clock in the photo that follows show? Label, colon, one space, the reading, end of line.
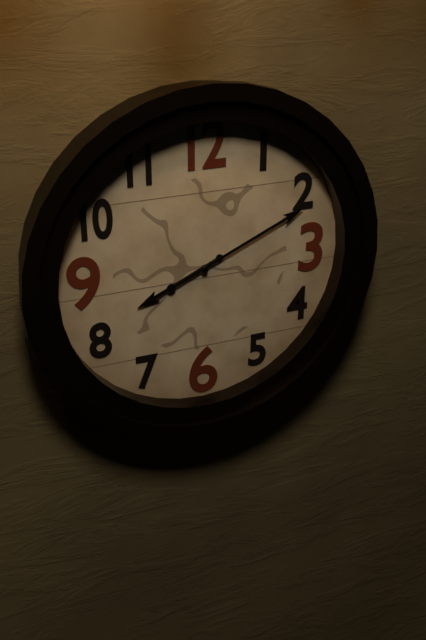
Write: 8:11
